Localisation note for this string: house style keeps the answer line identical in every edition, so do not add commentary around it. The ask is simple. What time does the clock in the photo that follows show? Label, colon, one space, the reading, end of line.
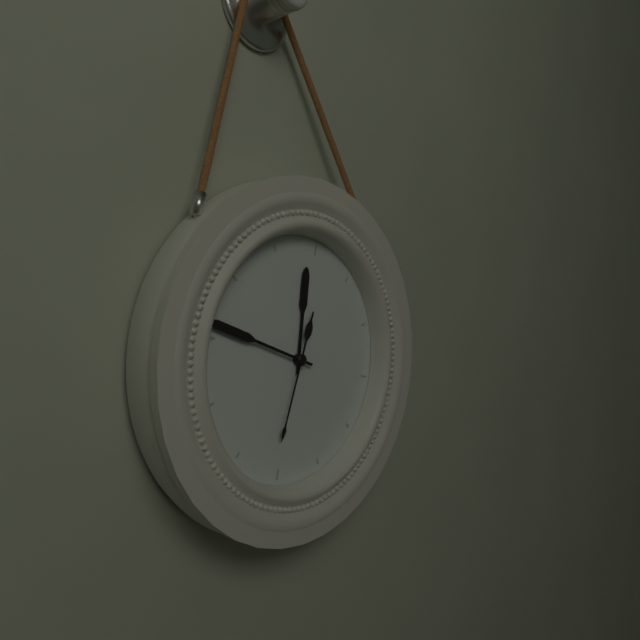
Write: 11:46:31
